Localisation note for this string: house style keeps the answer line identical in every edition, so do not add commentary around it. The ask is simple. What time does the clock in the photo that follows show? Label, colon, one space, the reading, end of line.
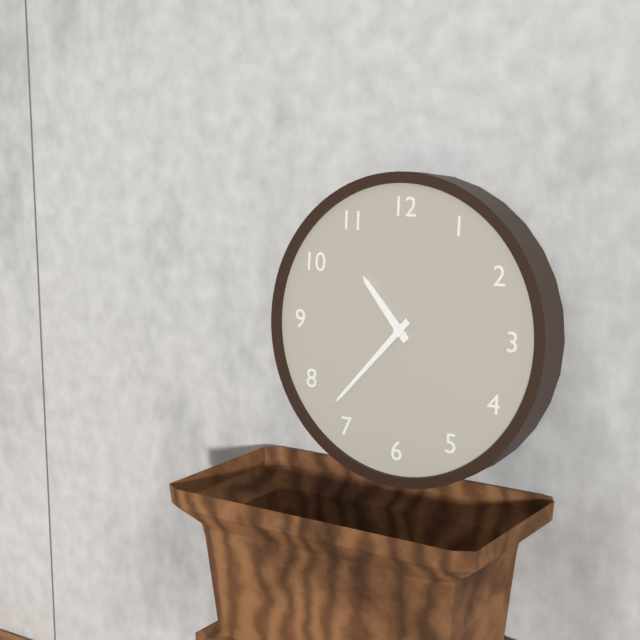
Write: 10:37
